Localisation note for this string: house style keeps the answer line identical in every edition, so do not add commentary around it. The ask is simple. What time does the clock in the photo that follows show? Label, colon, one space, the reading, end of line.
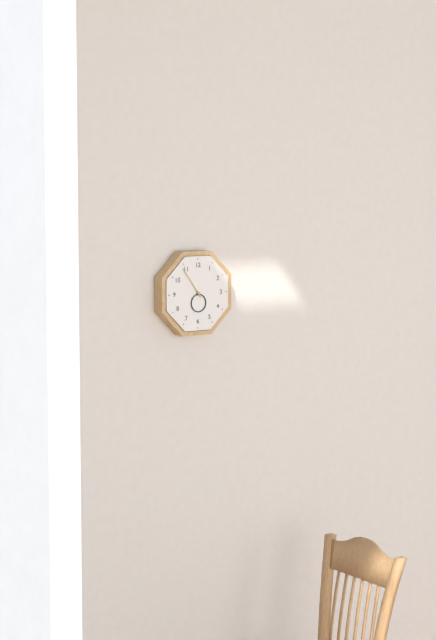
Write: 5:54
